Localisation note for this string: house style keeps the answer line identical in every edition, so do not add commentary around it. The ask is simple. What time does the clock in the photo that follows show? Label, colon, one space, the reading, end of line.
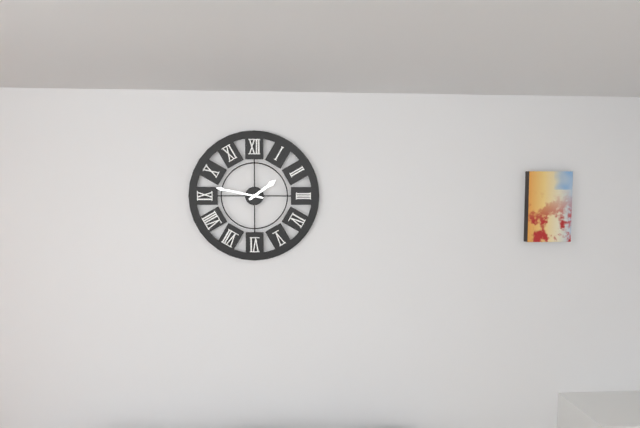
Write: 1:47
